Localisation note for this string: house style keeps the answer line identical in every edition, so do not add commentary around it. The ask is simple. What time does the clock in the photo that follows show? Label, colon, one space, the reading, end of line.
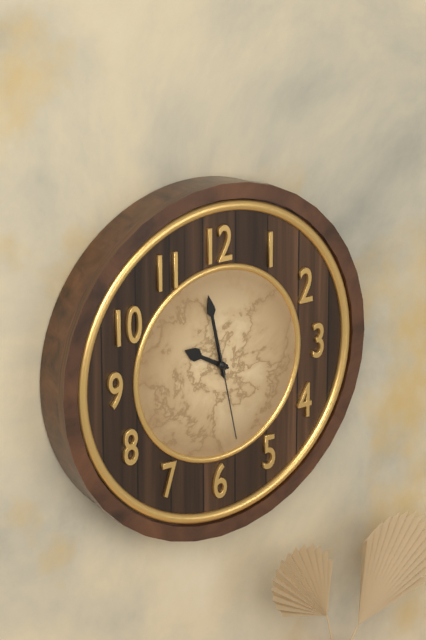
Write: 9:58:28
